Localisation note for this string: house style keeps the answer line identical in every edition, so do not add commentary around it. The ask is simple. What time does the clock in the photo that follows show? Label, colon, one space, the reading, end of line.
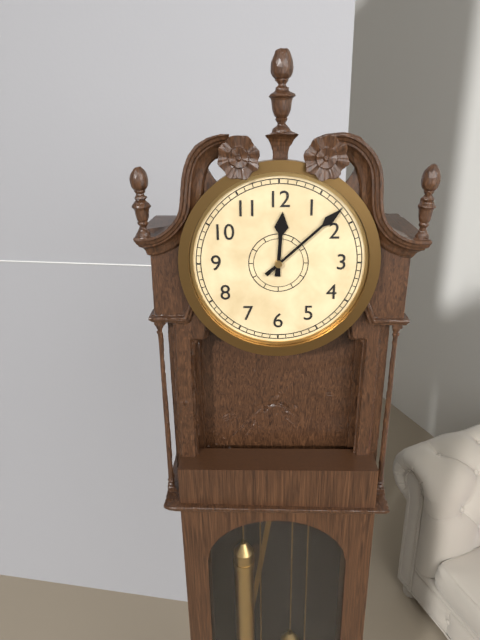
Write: 12:08
